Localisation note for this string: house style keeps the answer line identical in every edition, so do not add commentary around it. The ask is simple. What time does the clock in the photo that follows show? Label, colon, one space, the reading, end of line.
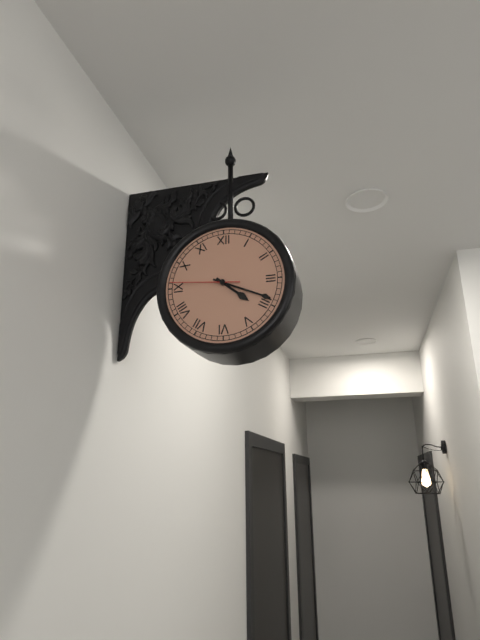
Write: 4:19:46
